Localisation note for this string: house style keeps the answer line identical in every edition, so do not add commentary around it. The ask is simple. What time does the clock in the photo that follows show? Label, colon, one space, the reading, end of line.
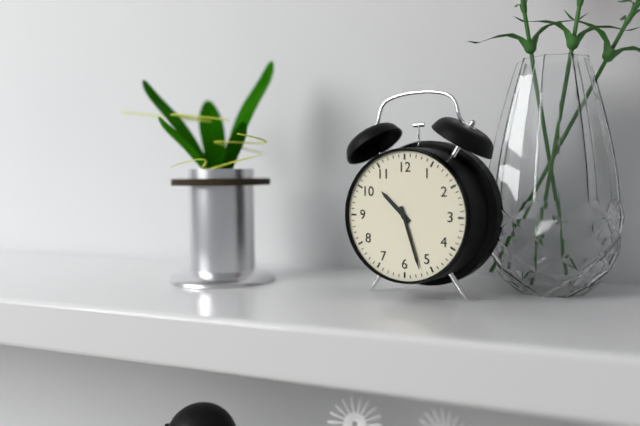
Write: 10:27
